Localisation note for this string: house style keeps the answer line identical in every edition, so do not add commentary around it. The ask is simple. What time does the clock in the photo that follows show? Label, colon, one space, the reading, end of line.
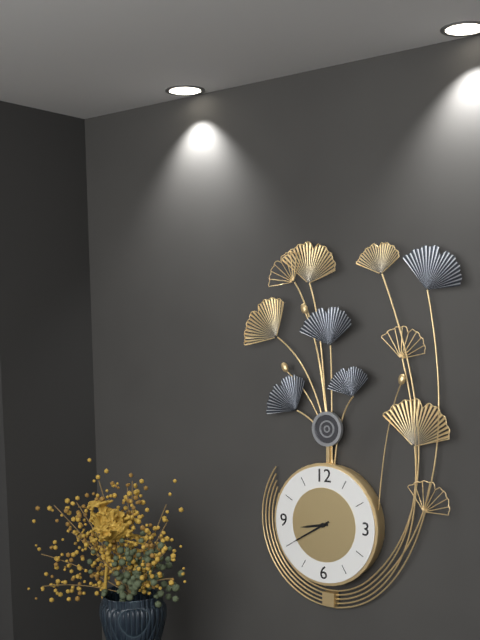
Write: 8:40
